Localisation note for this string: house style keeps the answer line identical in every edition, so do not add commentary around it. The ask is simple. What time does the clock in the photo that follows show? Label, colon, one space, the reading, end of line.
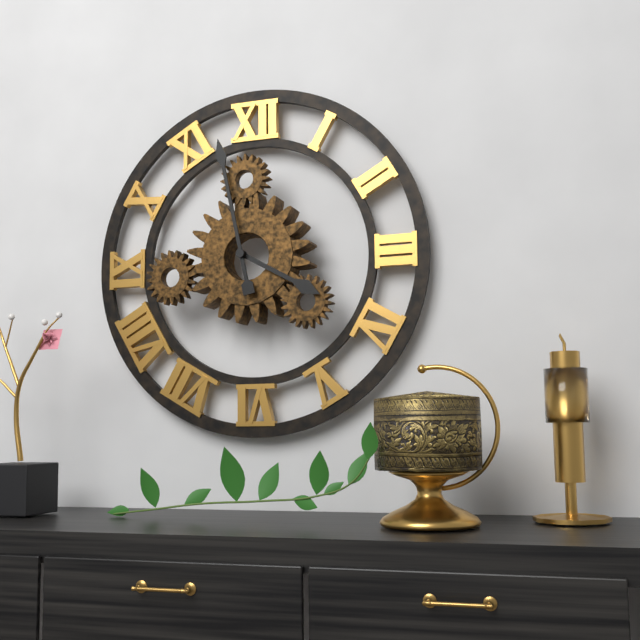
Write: 3:58
